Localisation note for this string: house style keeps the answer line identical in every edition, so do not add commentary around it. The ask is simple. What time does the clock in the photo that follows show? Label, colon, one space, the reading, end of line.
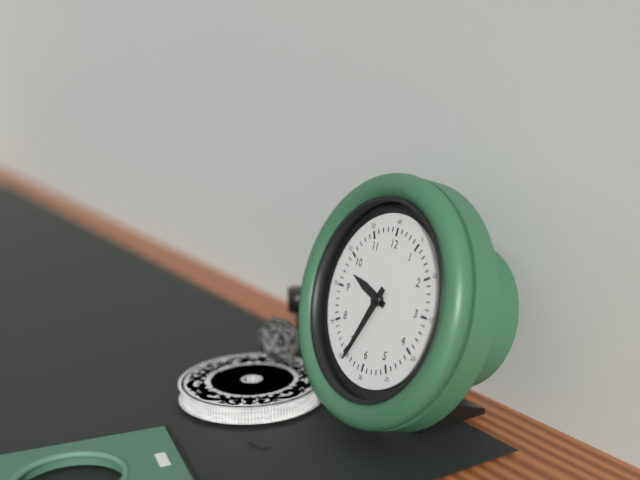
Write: 9:34
